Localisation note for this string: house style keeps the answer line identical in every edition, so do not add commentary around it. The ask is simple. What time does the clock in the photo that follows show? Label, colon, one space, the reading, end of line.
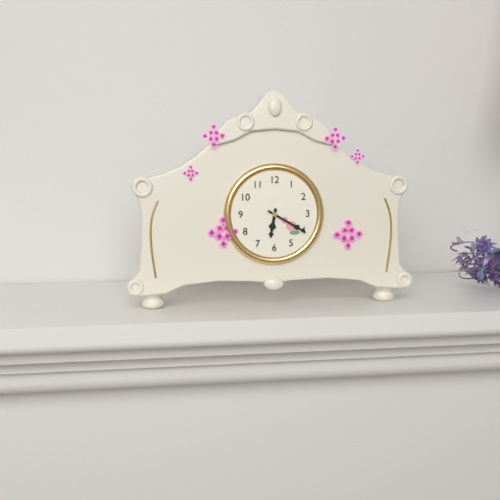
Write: 6:20
